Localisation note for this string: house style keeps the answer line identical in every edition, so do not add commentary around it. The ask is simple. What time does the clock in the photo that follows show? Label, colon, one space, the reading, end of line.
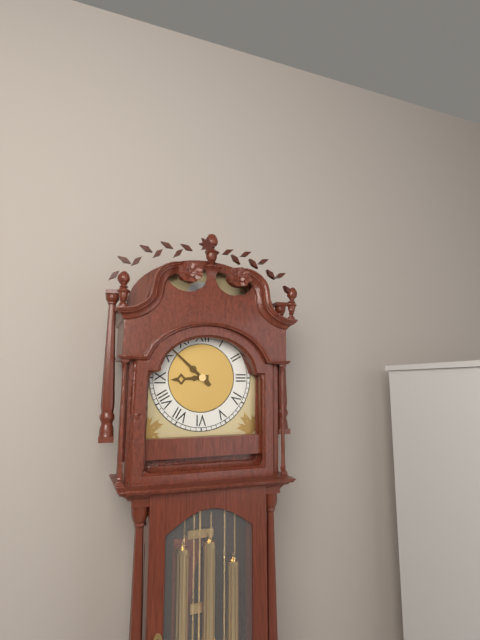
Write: 8:52
